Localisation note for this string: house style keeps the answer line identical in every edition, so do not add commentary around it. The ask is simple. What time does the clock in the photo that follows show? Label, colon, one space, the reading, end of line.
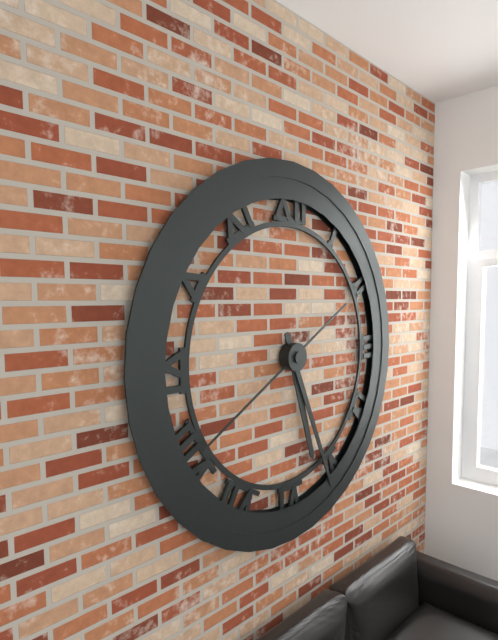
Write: 5:26:40
